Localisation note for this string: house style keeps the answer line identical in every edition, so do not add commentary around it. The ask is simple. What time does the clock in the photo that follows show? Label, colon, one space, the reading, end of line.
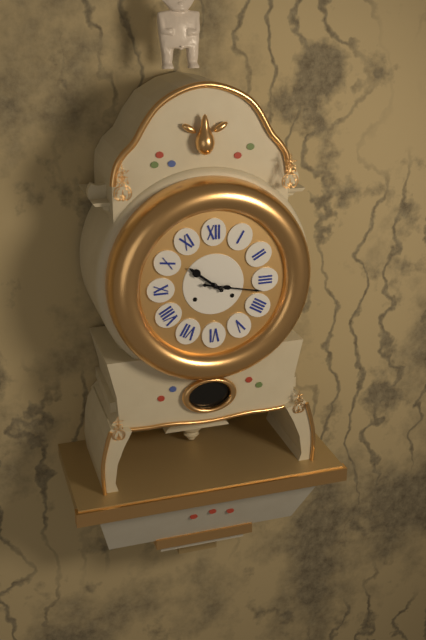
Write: 10:17
